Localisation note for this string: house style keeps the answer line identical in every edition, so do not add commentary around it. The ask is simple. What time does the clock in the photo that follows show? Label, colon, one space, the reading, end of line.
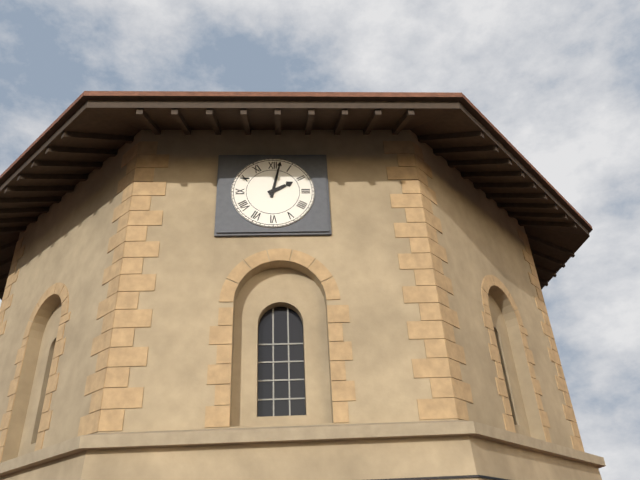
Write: 2:02
